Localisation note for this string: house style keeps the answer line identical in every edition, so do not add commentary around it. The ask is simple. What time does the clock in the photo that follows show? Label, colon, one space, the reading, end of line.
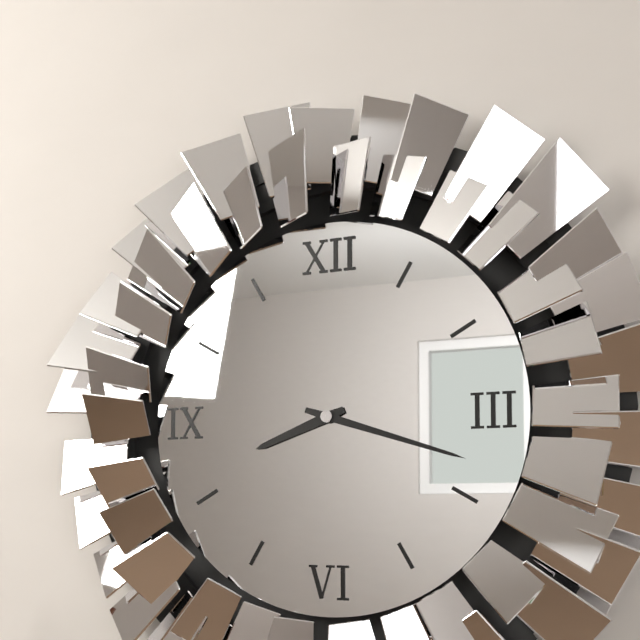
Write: 8:18
